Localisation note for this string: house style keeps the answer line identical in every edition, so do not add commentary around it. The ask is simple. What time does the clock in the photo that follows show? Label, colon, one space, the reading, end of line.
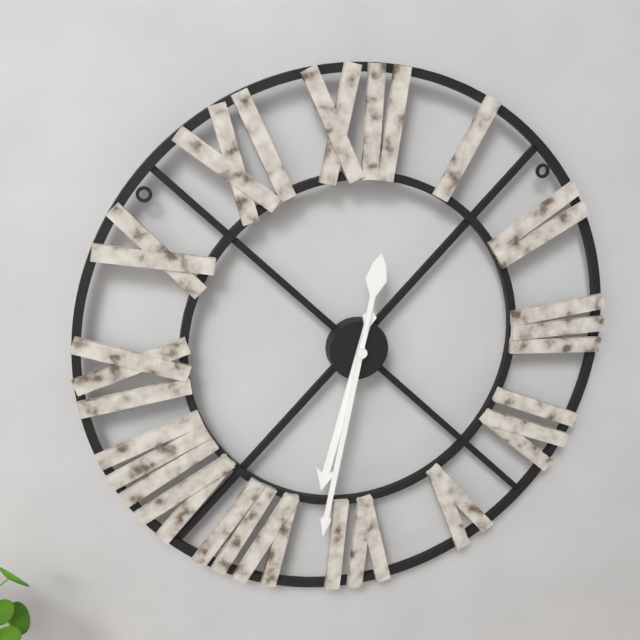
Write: 6:32
